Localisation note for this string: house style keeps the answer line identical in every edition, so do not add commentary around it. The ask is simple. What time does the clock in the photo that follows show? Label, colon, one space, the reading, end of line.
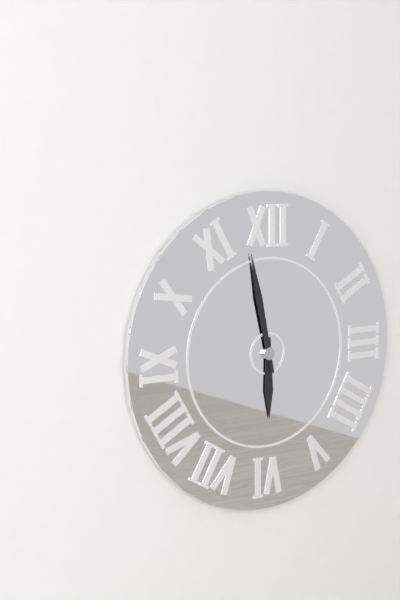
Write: 5:58
